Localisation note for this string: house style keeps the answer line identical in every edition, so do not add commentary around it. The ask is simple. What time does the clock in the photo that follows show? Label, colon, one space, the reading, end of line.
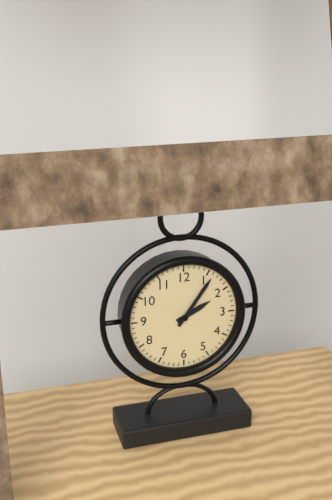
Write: 2:06
